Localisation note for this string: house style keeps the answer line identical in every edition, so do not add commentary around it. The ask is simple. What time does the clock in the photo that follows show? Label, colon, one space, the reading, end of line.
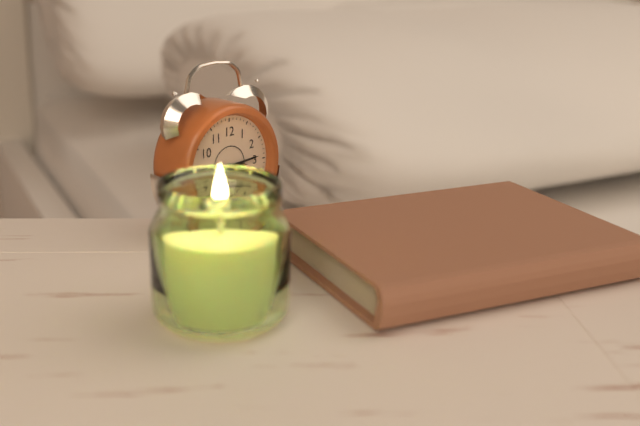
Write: 3:14
